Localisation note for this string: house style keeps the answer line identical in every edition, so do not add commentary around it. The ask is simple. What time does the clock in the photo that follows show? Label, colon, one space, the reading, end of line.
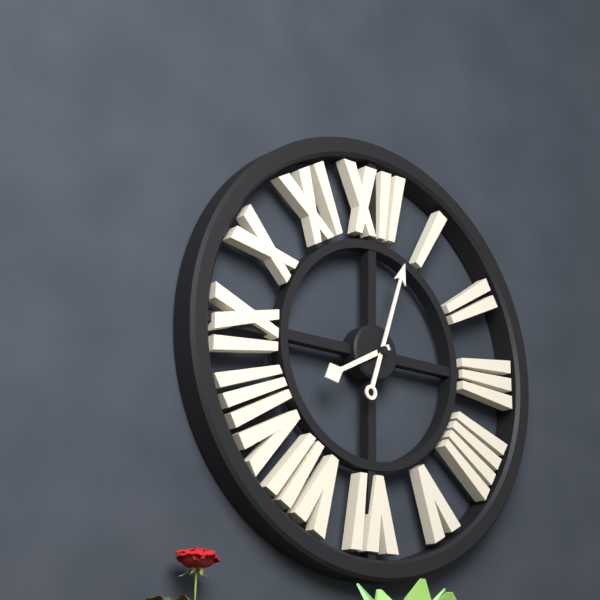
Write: 8:03
